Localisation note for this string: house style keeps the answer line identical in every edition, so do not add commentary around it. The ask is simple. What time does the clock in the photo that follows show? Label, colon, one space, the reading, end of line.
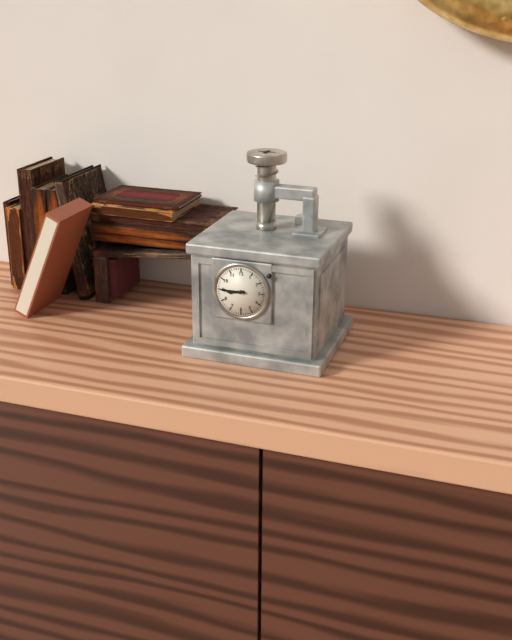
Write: 8:45
